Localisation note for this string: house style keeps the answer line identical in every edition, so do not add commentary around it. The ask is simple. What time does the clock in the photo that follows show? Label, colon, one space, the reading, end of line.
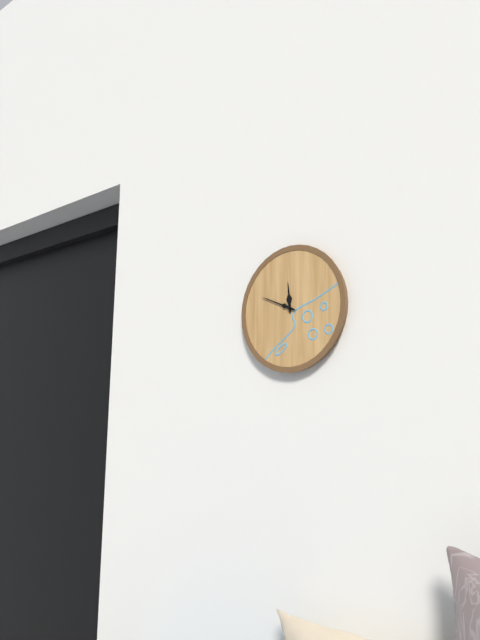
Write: 11:49
